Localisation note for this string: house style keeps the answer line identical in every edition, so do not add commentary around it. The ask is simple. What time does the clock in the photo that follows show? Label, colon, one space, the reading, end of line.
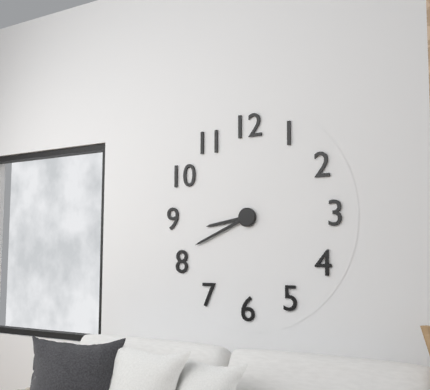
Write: 8:41
